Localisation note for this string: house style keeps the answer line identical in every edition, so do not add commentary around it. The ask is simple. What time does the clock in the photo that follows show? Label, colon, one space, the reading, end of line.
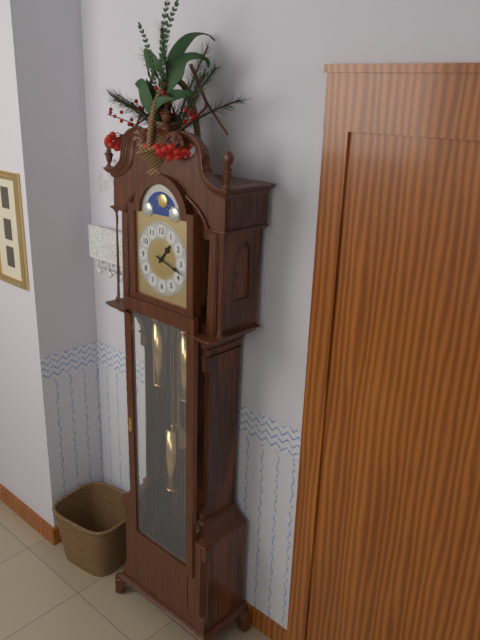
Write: 1:18
